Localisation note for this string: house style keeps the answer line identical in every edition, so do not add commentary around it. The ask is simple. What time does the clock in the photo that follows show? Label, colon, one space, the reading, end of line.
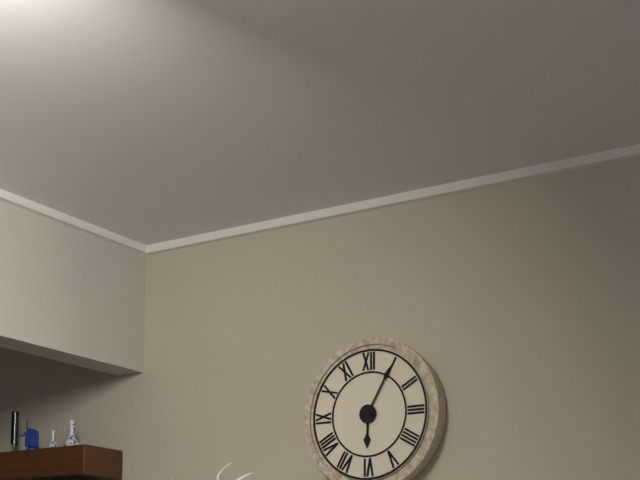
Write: 6:05
